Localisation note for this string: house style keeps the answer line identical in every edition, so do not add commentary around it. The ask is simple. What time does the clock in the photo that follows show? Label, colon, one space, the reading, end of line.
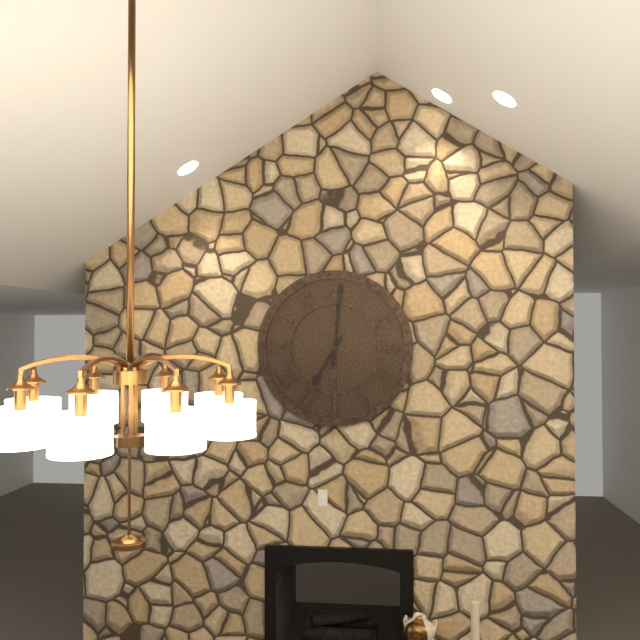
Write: 7:01
